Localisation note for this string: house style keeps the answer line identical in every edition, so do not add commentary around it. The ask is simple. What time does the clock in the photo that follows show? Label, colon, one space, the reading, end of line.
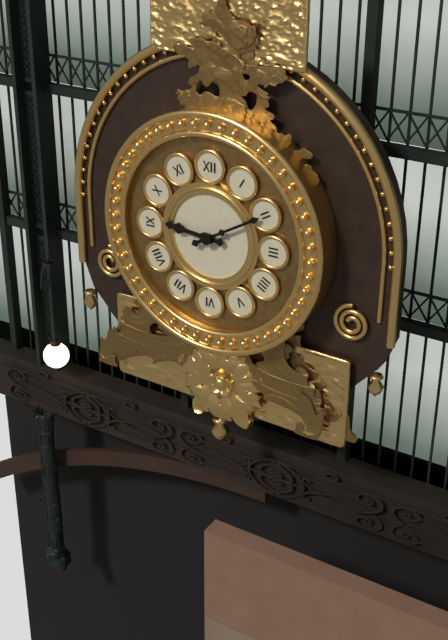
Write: 9:10
